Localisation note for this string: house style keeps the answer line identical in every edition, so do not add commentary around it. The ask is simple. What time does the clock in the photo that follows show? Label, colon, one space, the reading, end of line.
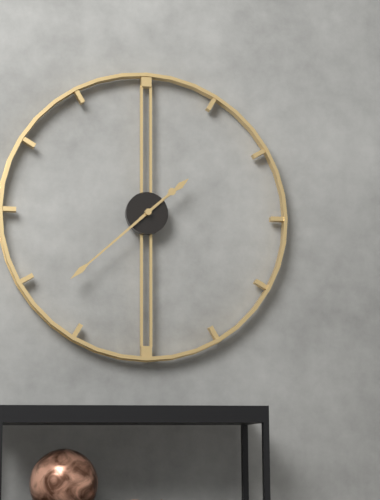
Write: 1:38
